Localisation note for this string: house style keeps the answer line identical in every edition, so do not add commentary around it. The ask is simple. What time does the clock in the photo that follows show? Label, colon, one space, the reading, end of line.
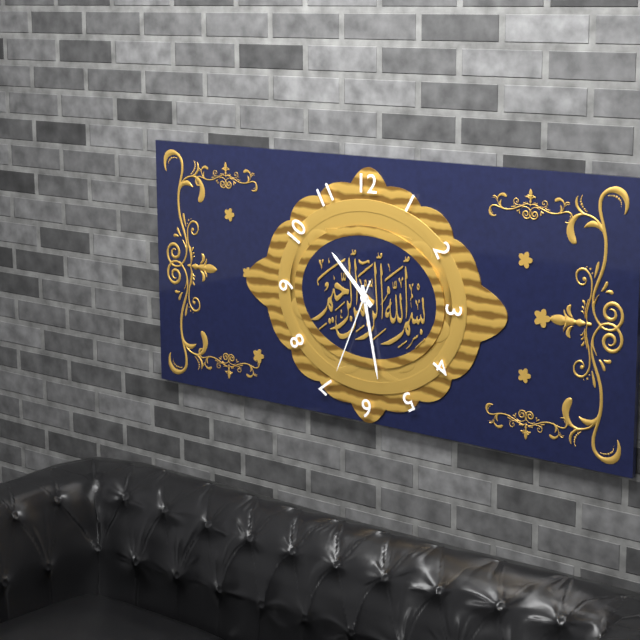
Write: 10:28:34
